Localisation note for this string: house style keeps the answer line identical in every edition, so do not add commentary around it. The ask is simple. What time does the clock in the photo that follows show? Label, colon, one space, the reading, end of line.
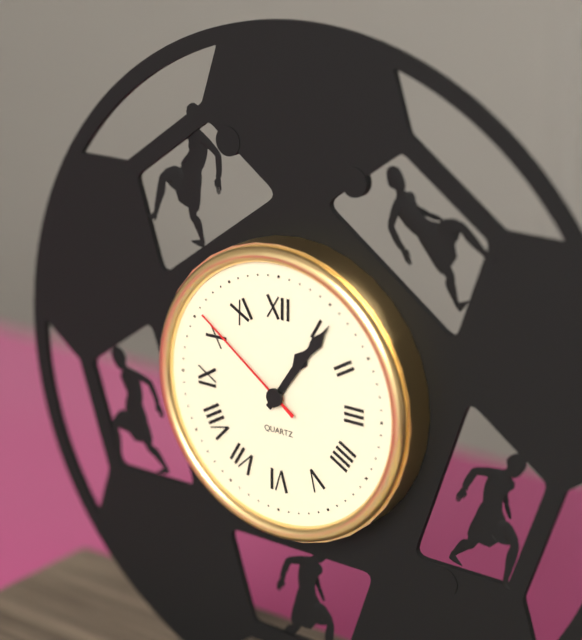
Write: 1:06:51
